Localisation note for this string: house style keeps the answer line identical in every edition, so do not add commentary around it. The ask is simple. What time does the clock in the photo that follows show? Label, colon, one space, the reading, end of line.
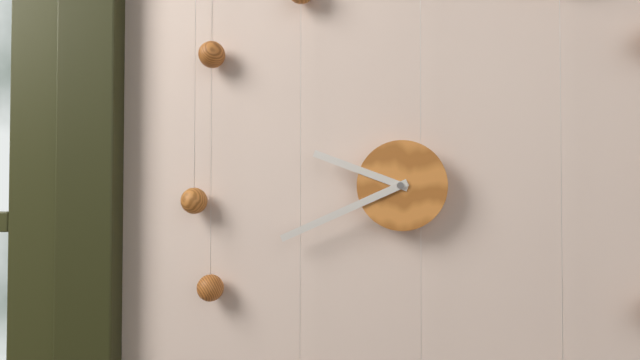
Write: 9:41
